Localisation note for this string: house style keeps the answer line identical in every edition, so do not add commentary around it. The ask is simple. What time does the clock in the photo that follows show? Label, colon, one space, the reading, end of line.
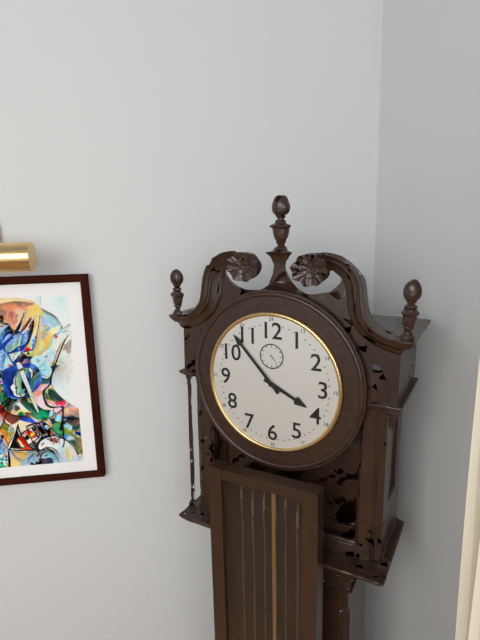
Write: 3:53
